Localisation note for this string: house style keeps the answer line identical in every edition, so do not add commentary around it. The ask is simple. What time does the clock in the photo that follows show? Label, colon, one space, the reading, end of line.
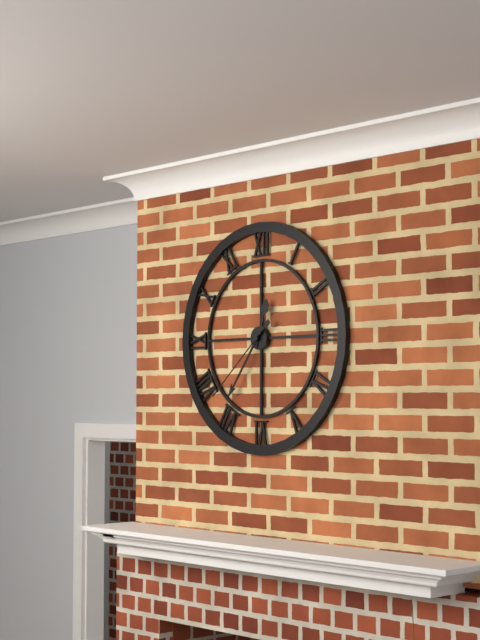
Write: 12:36:38
